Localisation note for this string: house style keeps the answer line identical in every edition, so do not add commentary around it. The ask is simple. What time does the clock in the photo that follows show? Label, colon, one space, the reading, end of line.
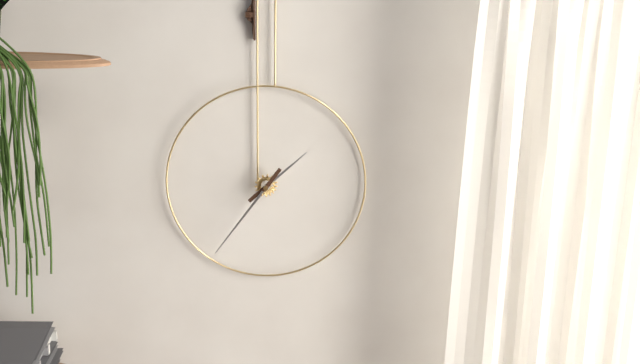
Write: 1:36
